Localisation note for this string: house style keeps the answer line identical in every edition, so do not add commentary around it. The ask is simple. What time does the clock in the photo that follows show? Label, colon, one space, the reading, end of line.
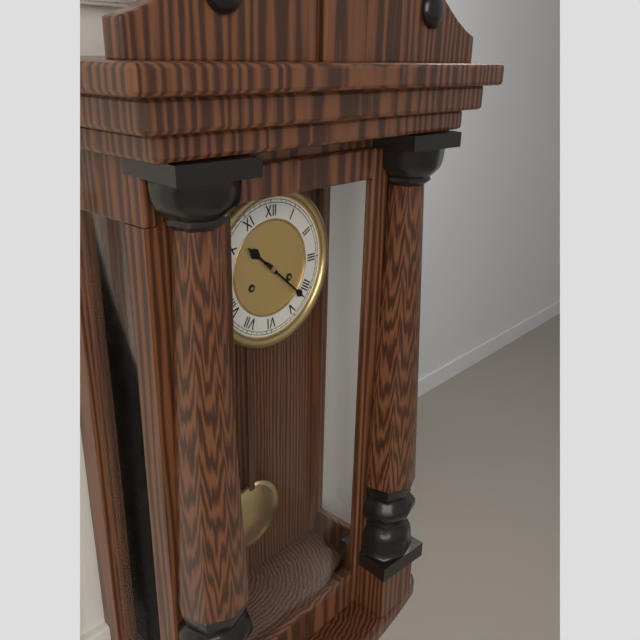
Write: 10:22
